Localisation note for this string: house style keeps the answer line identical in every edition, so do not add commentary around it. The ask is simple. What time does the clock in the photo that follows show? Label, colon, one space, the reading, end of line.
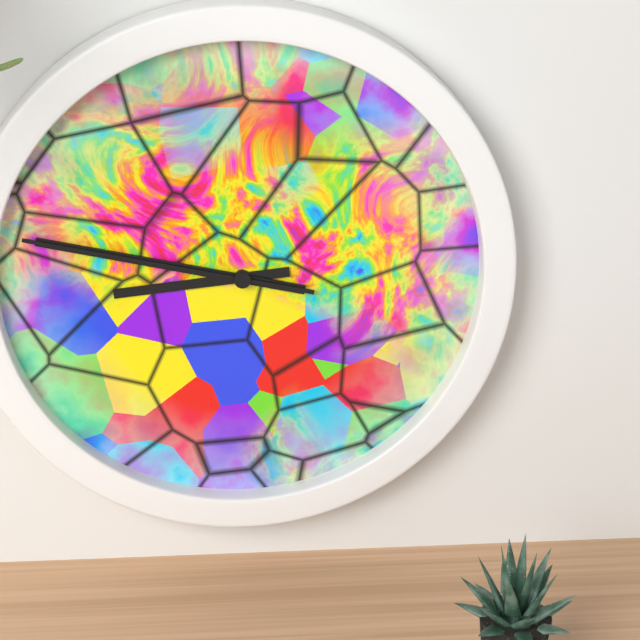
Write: 8:47:47
